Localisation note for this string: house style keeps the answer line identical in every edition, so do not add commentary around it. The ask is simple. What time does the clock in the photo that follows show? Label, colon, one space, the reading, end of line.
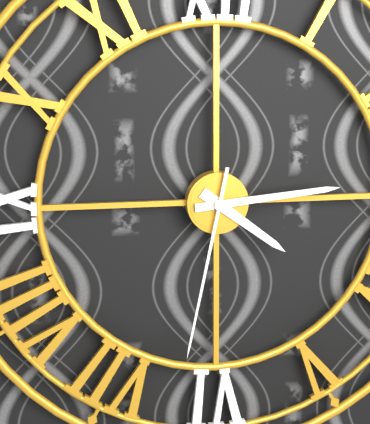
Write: 4:14:32
